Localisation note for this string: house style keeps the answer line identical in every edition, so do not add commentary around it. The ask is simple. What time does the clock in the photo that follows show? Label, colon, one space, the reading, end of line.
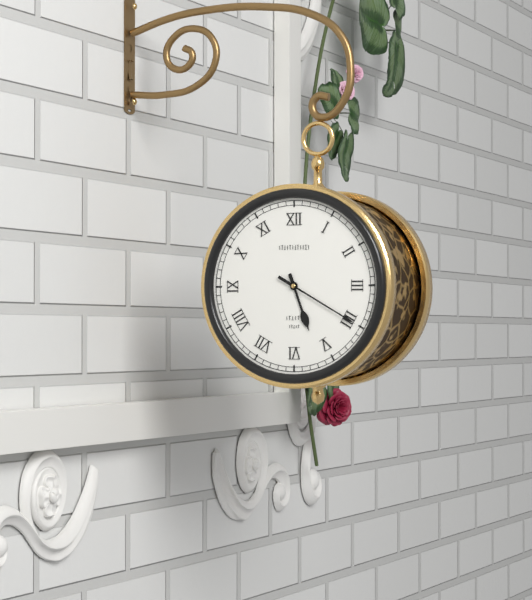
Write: 5:20
